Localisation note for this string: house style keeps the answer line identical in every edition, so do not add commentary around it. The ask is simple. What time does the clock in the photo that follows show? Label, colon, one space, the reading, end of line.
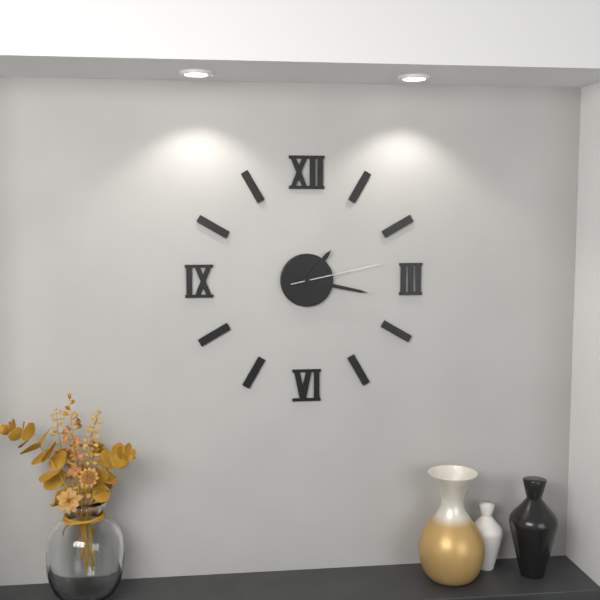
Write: 1:17:13
